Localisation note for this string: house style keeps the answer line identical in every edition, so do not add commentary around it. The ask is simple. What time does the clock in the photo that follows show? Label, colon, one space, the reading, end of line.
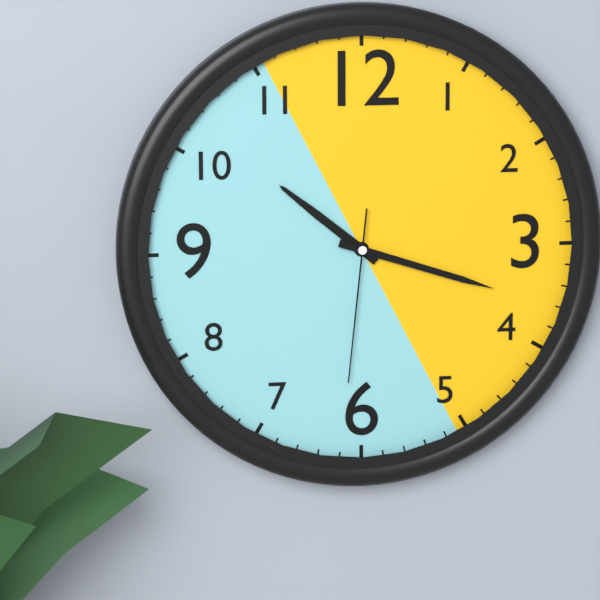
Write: 10:18:31
